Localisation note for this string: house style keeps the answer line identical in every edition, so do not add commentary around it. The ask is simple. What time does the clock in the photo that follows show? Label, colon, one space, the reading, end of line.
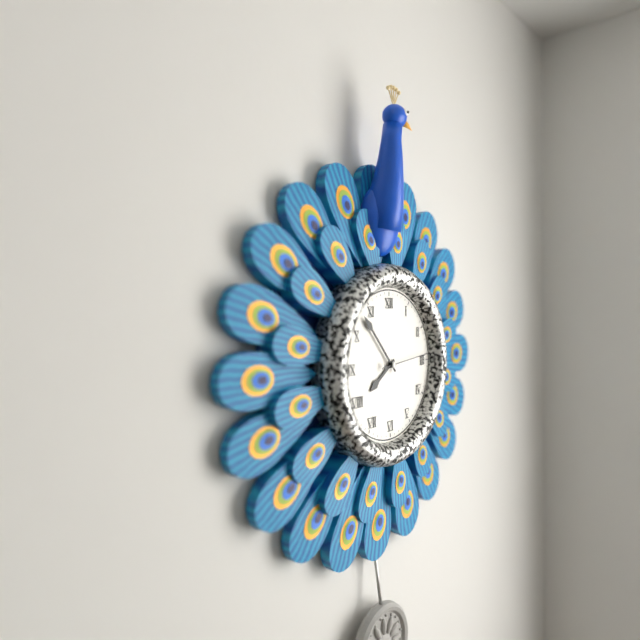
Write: 7:53
